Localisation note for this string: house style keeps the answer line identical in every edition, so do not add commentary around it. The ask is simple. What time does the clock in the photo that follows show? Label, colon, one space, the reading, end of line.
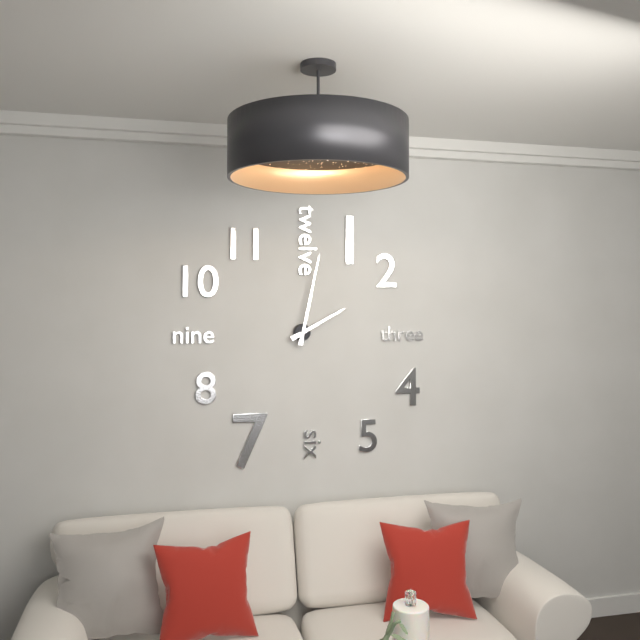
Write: 2:02
